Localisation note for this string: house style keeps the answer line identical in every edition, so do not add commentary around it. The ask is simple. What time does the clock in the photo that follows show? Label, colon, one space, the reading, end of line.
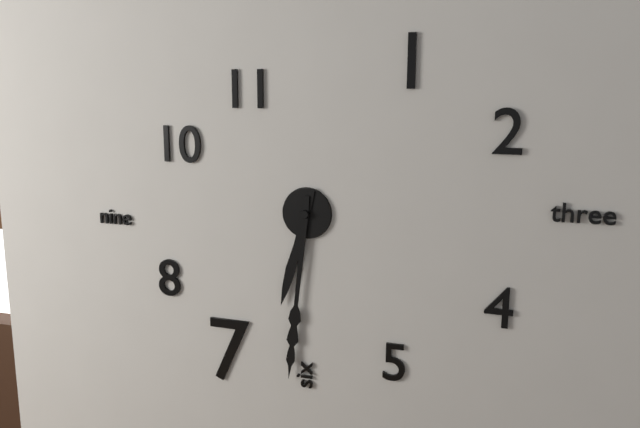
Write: 6:31
